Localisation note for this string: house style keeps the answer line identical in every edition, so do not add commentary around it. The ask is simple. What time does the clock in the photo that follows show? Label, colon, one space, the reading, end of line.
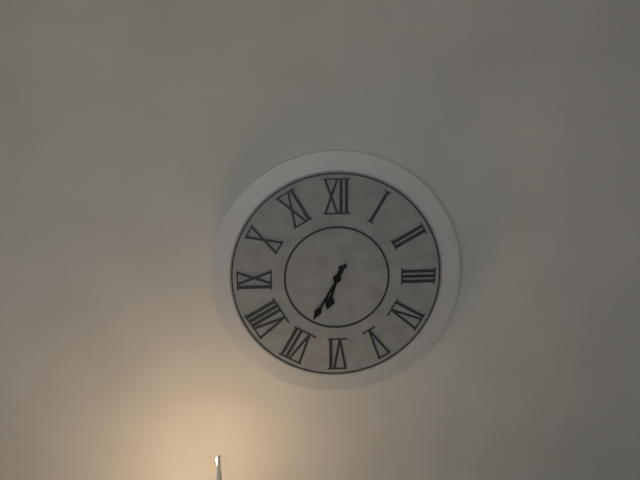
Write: 6:35
